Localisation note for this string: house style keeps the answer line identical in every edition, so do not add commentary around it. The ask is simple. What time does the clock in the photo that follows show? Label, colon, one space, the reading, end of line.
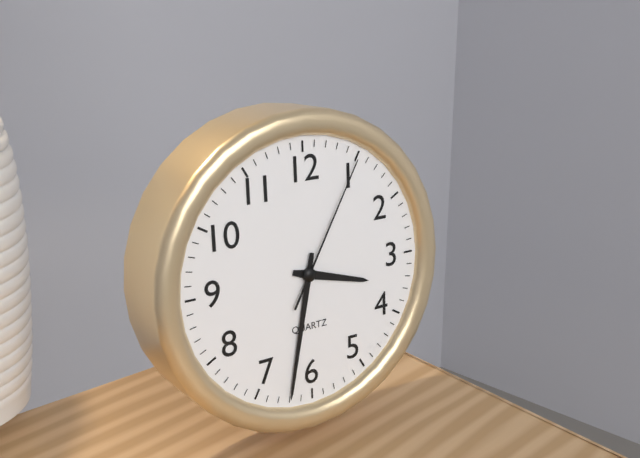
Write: 3:32:05
